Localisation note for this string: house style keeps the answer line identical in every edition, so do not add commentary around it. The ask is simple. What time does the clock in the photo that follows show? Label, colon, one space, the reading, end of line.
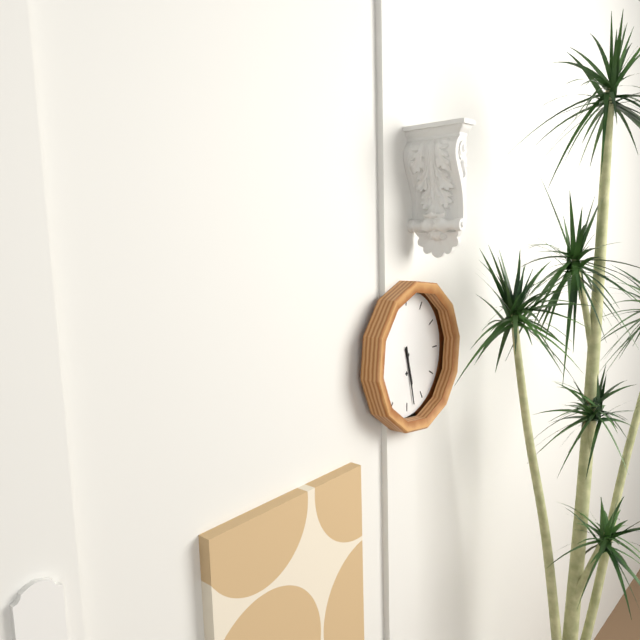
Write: 5:28
